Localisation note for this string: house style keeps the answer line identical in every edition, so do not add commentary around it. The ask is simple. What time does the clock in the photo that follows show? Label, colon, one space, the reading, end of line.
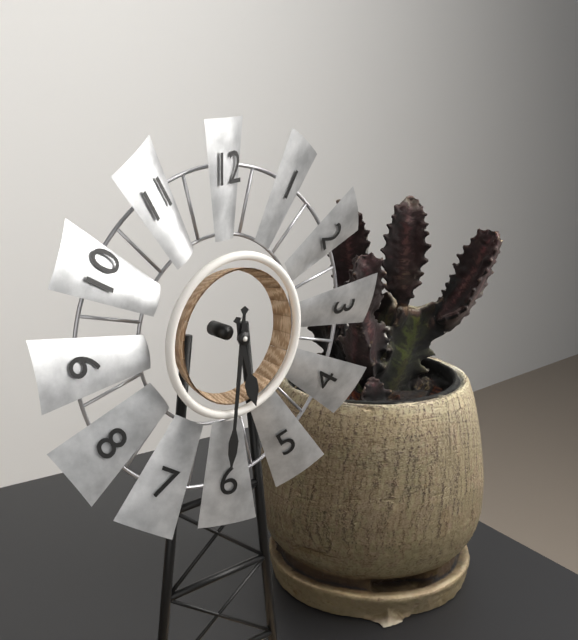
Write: 5:31
